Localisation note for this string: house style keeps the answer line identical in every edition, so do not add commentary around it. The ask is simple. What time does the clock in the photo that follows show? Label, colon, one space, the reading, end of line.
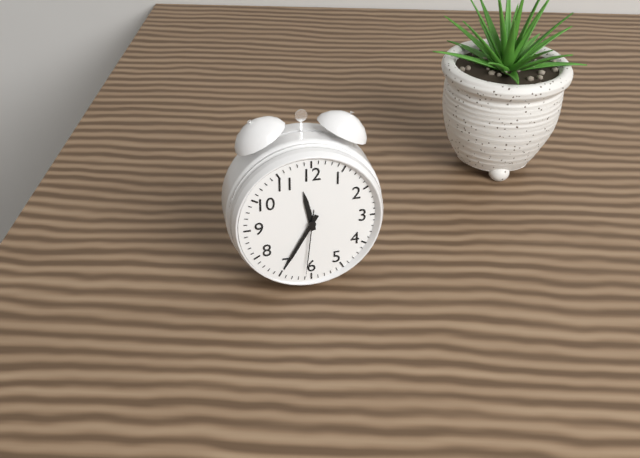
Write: 11:35:31
